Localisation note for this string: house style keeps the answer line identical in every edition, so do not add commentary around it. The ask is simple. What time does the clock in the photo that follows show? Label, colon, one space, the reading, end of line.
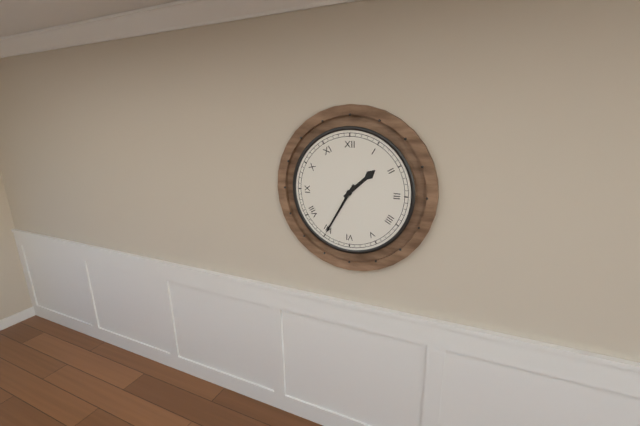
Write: 1:35
